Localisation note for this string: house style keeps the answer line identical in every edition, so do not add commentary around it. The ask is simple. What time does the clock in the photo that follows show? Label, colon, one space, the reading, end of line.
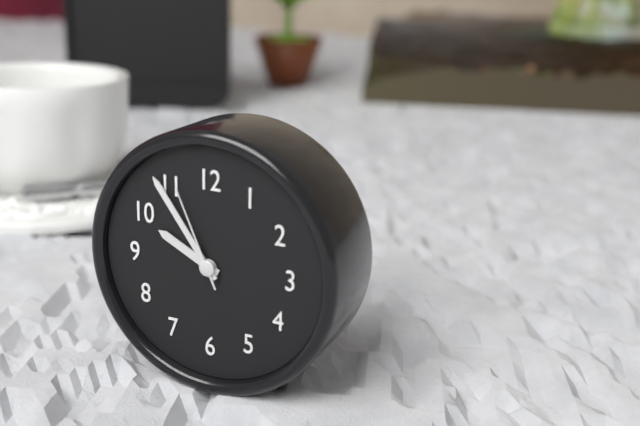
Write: 9:54:56
